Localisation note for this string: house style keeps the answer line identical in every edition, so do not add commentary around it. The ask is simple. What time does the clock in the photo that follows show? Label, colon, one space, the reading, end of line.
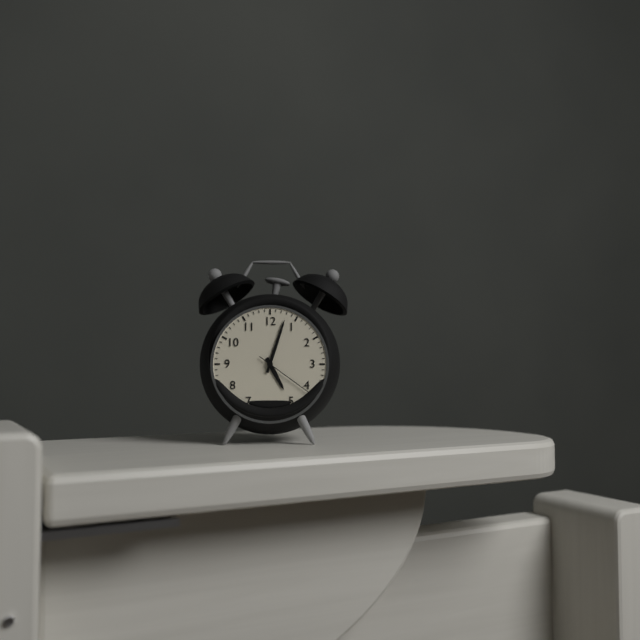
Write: 5:03:21
